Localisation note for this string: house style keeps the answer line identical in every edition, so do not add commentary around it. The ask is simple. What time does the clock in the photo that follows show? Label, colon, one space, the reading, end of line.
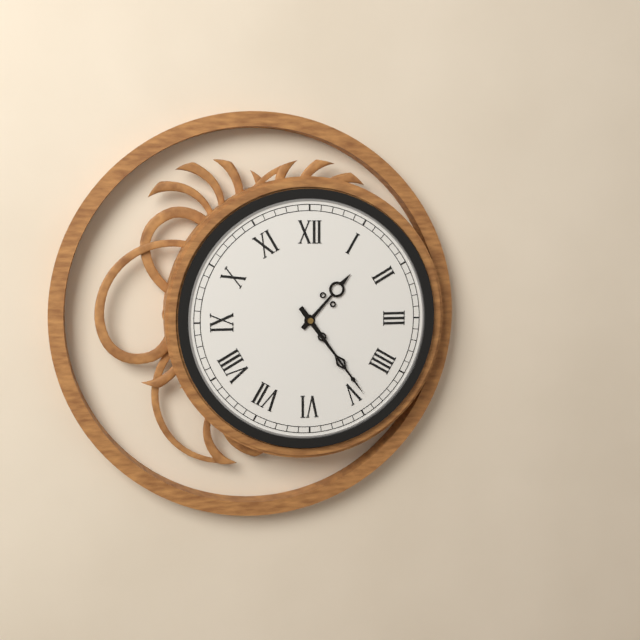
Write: 1:24
